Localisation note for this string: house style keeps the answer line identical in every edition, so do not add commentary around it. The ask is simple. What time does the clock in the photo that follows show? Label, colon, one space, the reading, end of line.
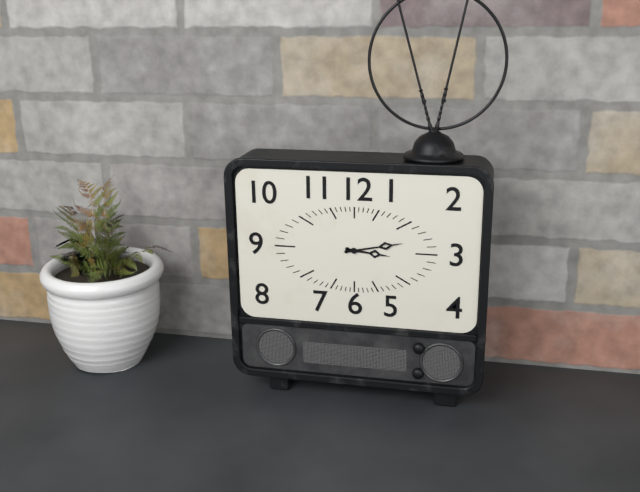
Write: 3:13
